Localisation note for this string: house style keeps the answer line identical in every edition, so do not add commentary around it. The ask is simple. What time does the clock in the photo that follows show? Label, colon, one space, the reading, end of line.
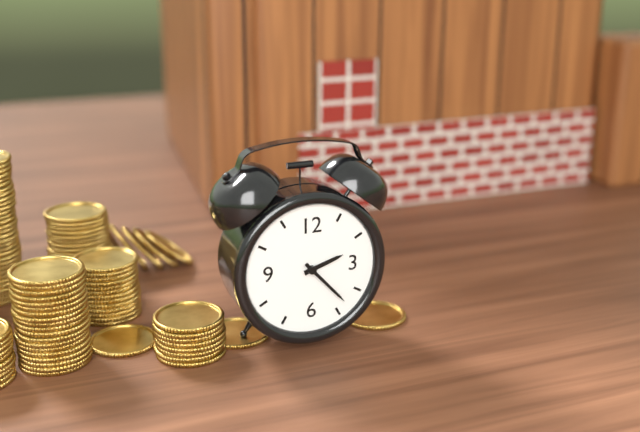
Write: 2:23
